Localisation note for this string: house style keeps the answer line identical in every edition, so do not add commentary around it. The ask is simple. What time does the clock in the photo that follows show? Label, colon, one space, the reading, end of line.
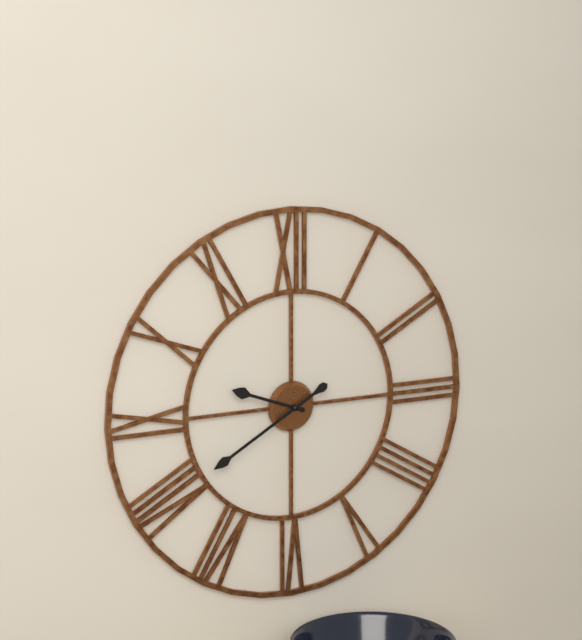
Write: 9:40
